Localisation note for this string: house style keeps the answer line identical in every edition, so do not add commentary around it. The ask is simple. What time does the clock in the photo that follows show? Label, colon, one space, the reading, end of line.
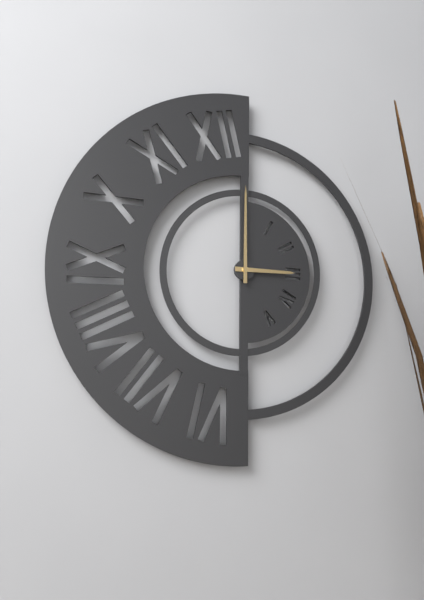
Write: 3:00
